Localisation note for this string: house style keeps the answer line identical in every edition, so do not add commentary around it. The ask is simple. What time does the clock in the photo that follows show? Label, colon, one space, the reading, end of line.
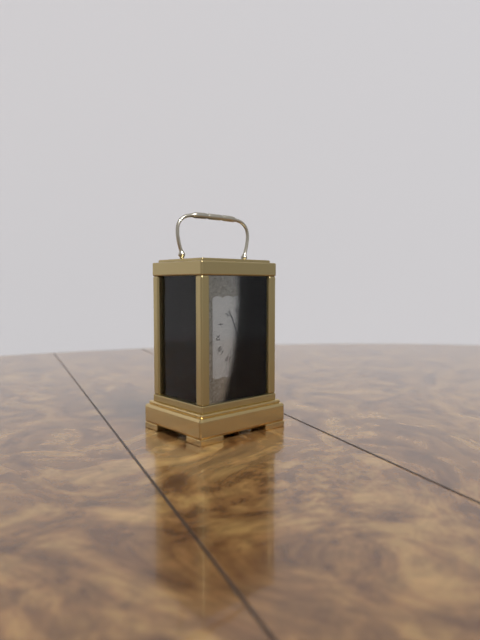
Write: 4:56
